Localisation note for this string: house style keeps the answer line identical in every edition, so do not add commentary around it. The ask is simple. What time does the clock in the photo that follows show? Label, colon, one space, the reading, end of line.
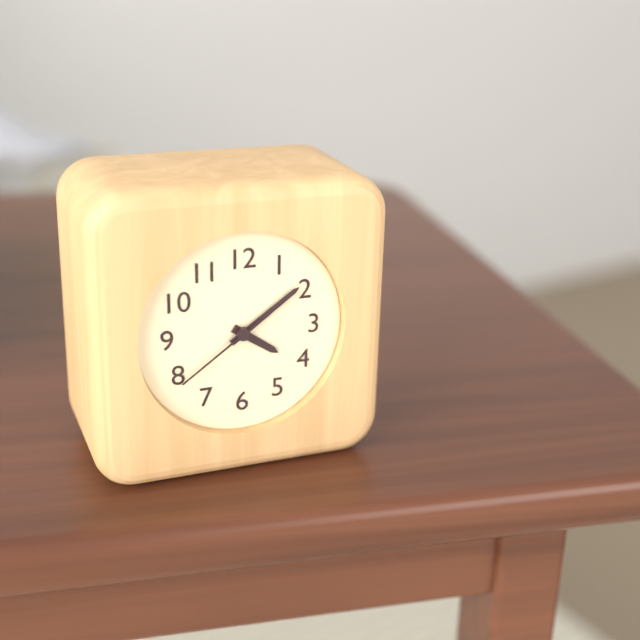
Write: 4:09:39
